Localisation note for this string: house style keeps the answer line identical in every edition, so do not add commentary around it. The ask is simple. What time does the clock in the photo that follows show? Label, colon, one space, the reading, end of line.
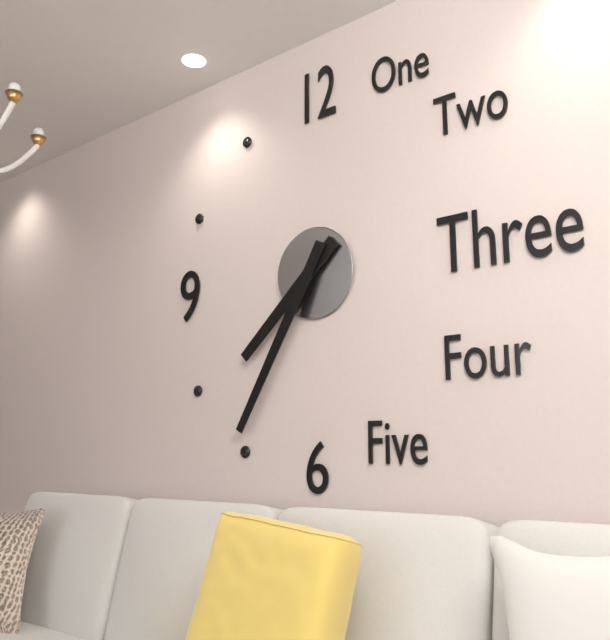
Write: 7:35
